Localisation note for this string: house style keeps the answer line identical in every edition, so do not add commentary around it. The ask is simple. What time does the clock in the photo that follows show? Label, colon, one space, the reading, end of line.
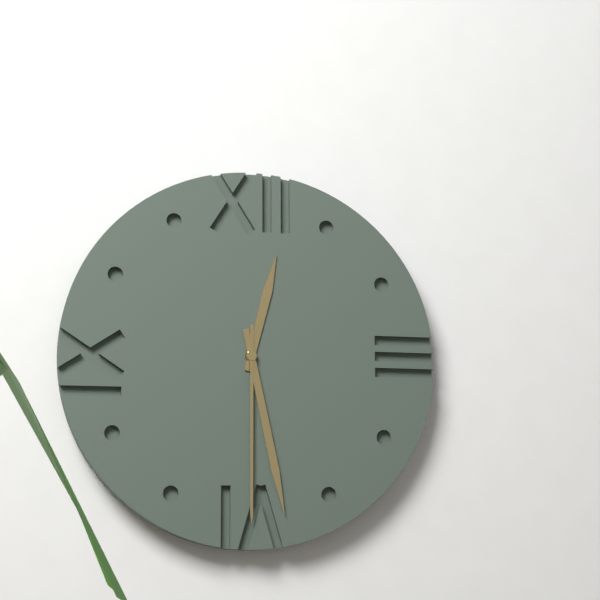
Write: 12:28:30
